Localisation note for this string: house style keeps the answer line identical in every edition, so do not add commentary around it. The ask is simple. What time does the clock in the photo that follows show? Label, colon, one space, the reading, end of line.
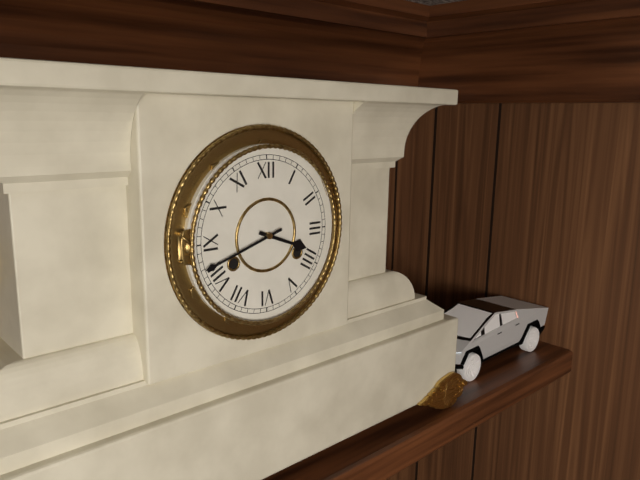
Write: 3:42
